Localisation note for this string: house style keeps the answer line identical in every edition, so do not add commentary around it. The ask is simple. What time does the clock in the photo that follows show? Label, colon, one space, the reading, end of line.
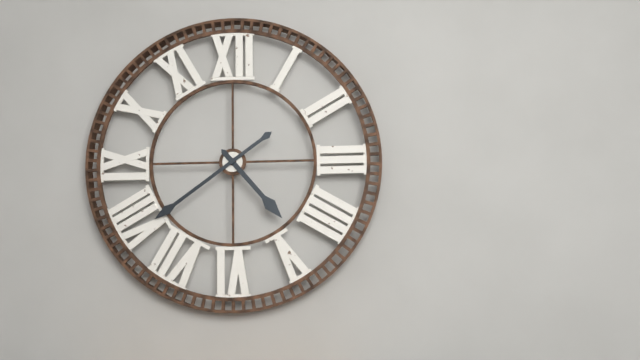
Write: 4:39
